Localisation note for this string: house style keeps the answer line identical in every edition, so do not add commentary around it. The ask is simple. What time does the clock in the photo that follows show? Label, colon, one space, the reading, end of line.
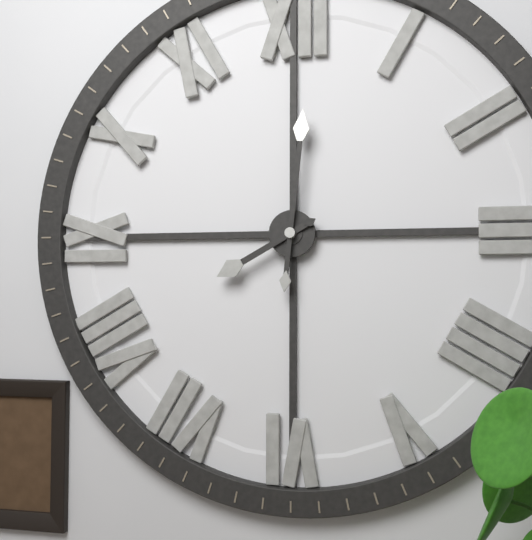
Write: 8:01
